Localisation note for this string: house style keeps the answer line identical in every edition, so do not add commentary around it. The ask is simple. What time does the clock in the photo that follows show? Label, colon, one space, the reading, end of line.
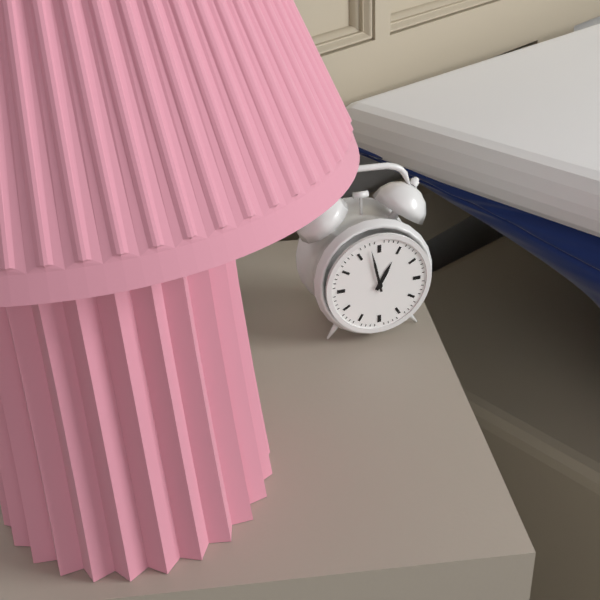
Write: 12:58
